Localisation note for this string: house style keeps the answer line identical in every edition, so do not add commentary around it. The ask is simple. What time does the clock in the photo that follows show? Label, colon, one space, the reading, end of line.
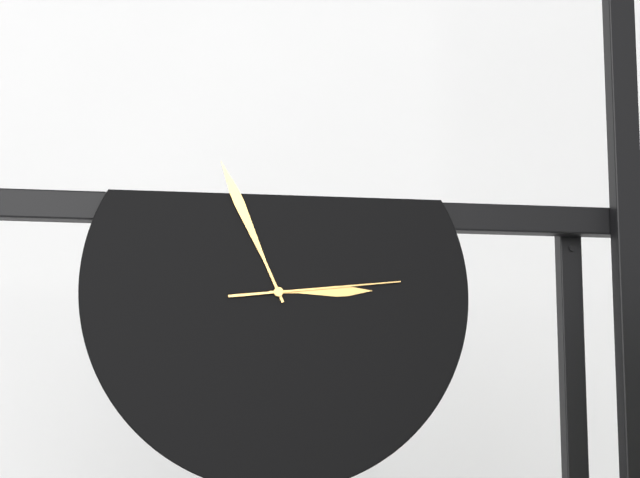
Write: 2:56:14
